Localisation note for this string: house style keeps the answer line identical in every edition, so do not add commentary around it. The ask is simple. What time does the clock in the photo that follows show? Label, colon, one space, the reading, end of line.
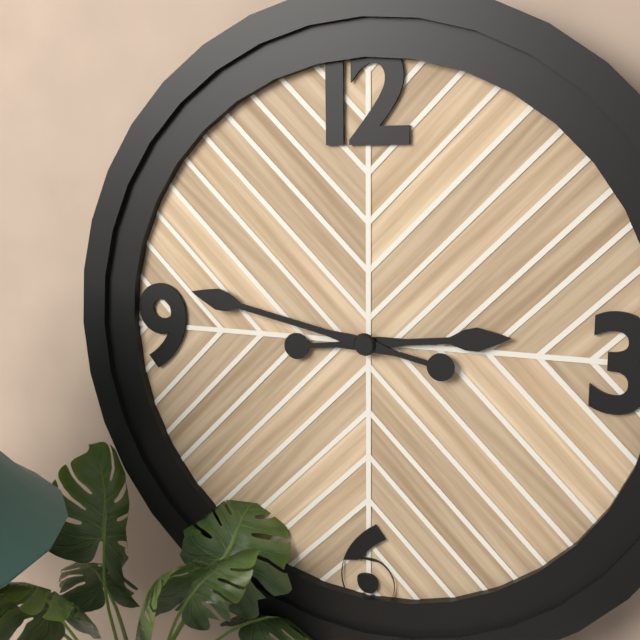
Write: 2:47
